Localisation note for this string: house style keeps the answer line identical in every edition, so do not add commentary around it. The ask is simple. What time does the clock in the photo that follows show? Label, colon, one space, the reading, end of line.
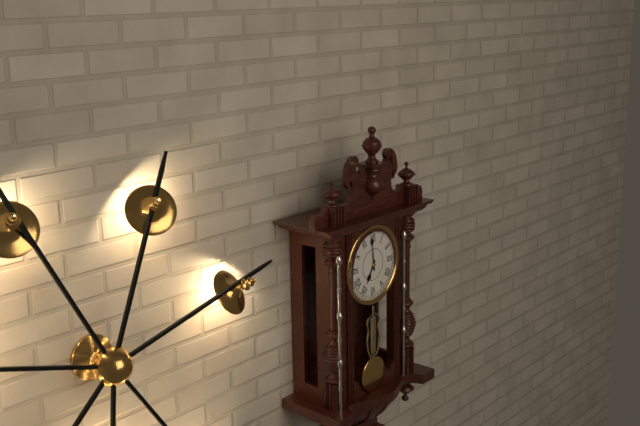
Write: 6:59
